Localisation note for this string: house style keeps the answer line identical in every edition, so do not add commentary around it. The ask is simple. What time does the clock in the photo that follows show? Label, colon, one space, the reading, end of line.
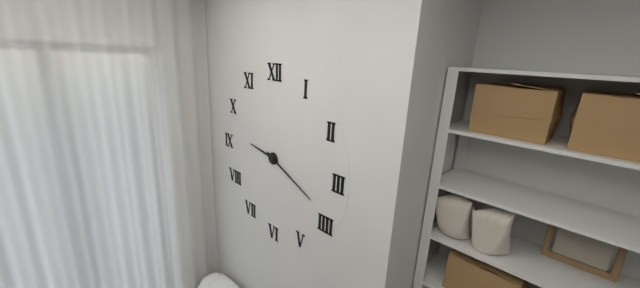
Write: 9:19
